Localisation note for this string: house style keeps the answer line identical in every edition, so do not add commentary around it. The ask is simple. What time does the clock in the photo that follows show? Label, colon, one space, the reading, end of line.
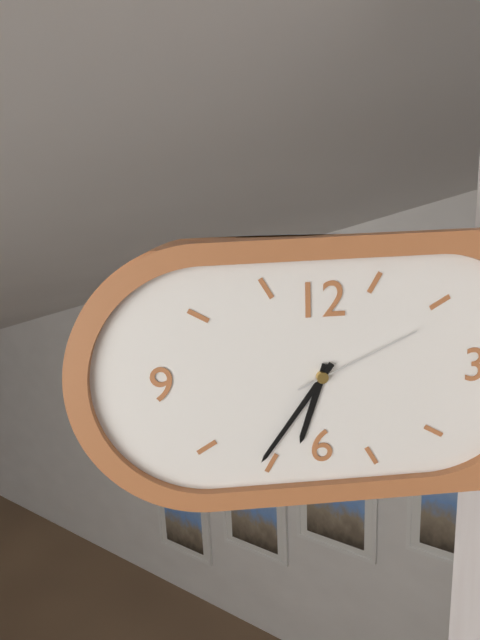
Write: 6:36:11
